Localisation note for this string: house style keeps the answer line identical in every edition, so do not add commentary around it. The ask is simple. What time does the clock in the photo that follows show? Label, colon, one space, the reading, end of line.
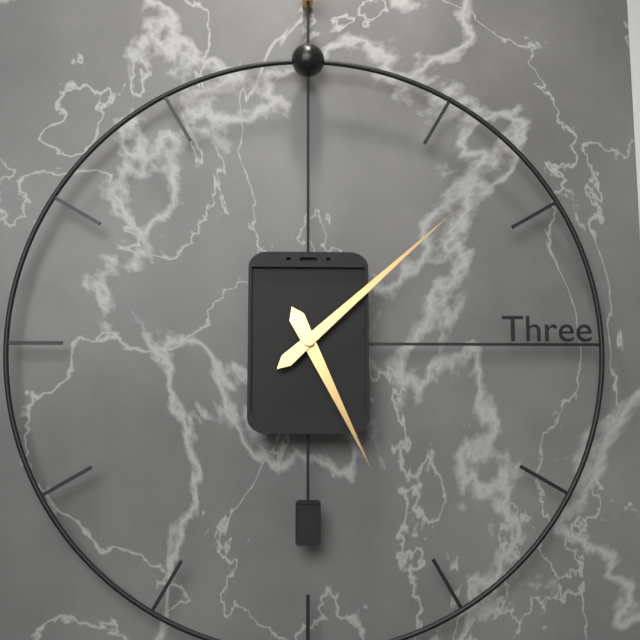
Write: 5:08
